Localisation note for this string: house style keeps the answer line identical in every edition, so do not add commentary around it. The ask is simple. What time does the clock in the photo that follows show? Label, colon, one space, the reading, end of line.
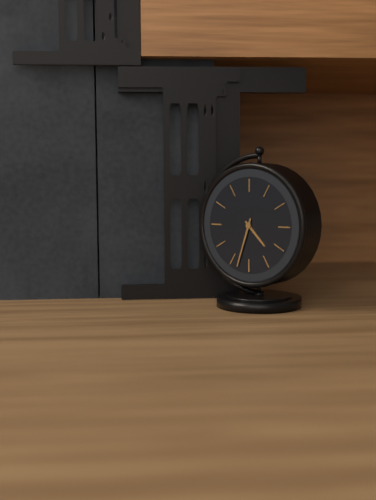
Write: 4:33
